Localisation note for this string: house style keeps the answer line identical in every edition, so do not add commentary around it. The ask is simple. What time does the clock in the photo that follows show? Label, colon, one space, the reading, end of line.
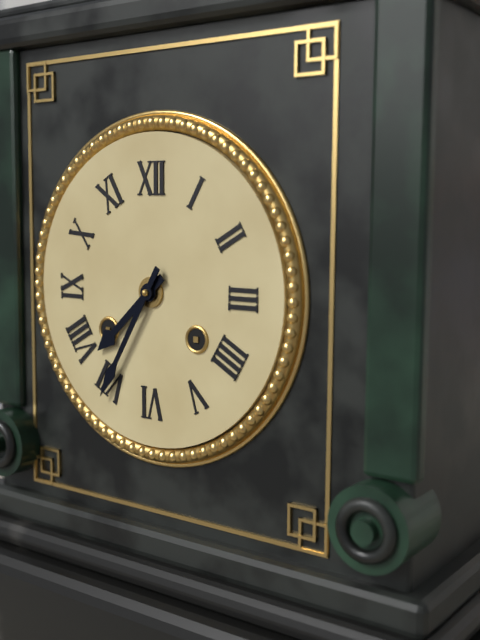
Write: 7:35
